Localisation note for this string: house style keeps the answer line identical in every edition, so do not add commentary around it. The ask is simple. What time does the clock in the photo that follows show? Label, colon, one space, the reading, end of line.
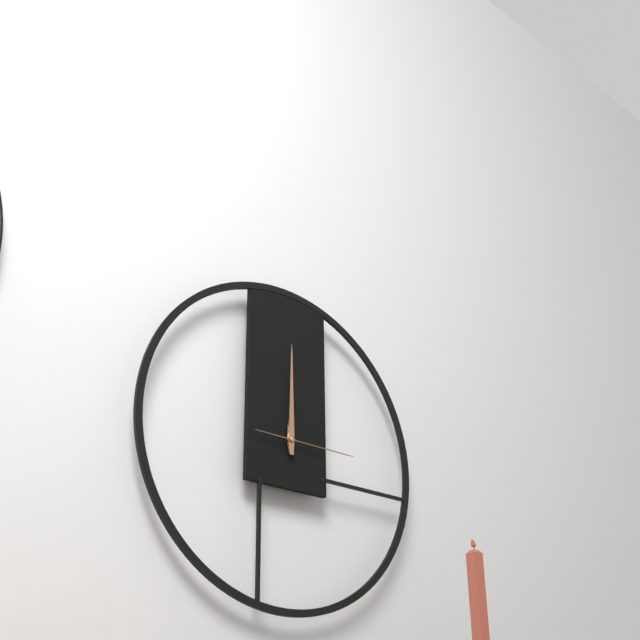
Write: 12:00:15
